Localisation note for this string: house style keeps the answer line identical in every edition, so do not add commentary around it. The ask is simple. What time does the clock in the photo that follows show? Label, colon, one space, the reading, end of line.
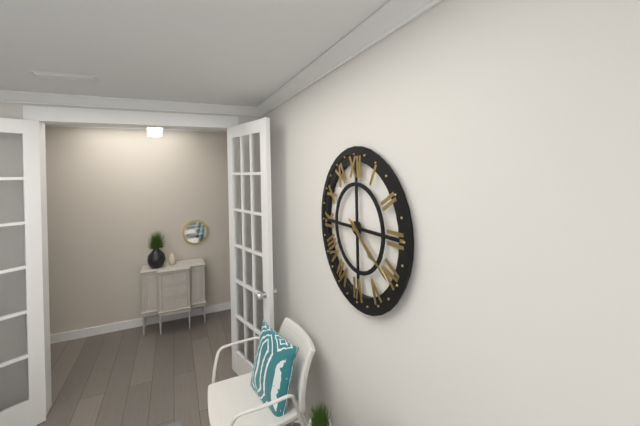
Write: 4:21
